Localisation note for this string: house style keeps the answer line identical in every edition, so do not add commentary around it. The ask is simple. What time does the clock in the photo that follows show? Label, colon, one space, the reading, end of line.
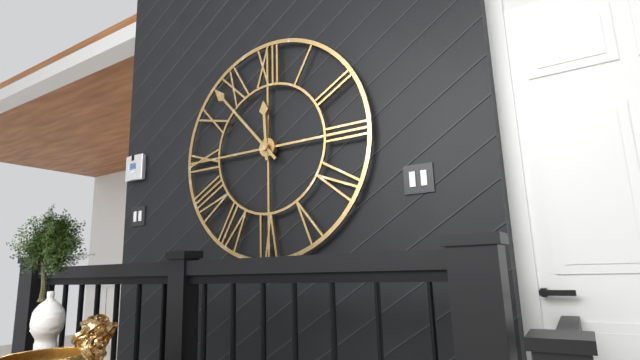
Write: 11:53
